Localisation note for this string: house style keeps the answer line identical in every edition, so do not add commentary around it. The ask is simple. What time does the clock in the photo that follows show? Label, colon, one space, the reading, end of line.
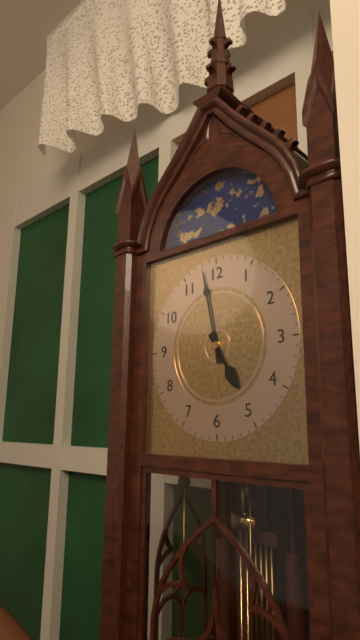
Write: 4:58
